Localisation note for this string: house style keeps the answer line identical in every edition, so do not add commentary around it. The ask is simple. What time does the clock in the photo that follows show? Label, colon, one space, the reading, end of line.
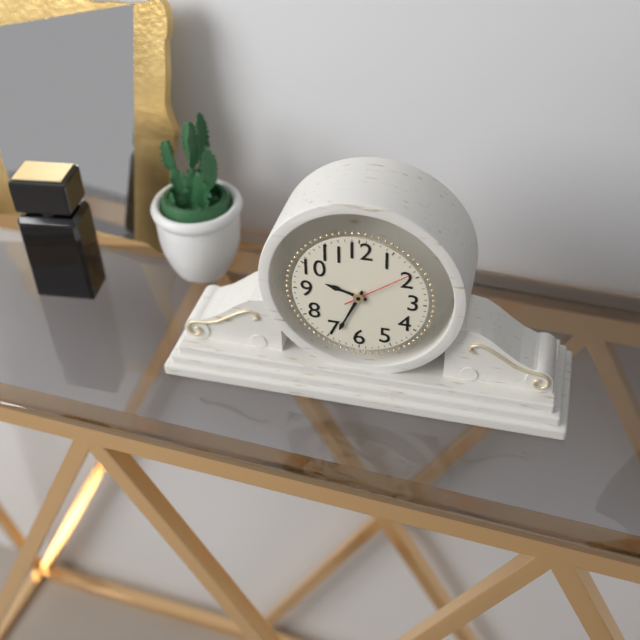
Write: 9:34:09
